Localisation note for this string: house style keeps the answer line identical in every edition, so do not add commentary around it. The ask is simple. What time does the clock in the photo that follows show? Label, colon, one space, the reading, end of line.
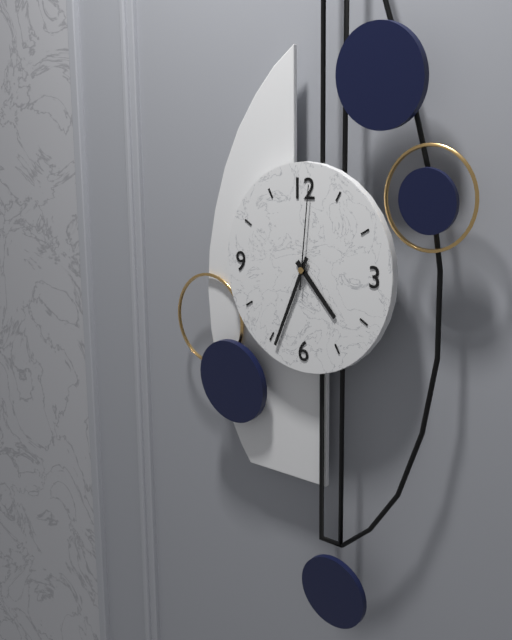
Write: 4:34:01
